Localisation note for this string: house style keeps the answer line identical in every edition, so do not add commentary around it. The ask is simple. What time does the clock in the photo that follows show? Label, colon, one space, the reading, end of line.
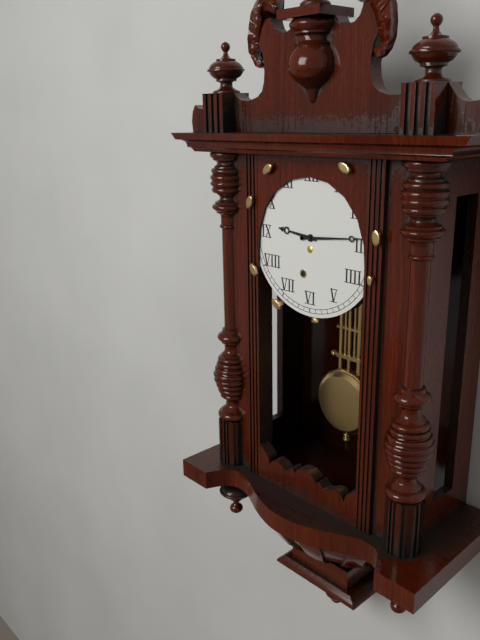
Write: 9:14
